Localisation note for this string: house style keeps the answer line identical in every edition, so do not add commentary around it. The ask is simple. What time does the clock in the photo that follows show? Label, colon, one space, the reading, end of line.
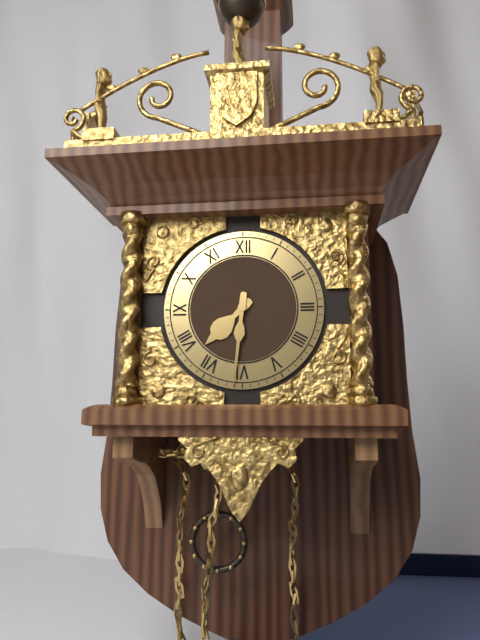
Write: 7:31
